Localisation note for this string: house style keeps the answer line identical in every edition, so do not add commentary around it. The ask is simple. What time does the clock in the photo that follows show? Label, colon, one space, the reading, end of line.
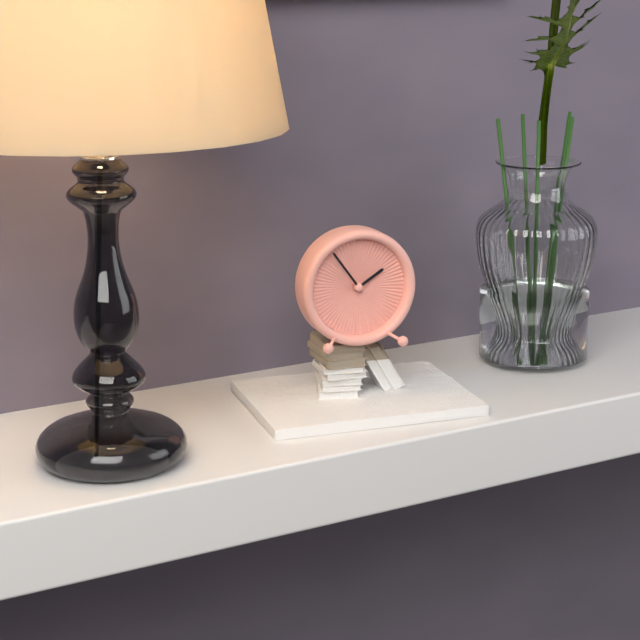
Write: 1:54
